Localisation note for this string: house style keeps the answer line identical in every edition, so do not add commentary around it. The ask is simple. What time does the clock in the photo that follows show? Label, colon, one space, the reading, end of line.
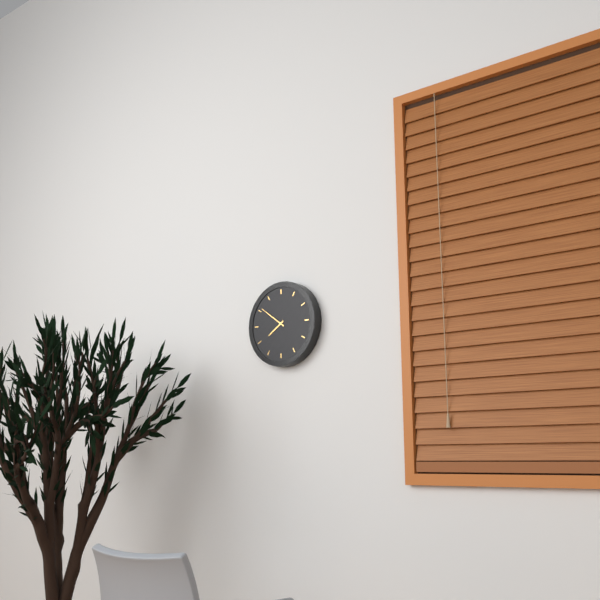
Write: 7:51
